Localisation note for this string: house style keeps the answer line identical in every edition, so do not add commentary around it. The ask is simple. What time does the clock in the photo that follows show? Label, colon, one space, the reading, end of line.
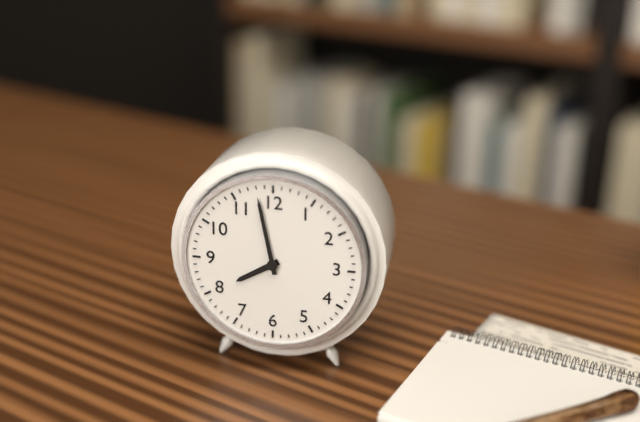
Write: 7:58
